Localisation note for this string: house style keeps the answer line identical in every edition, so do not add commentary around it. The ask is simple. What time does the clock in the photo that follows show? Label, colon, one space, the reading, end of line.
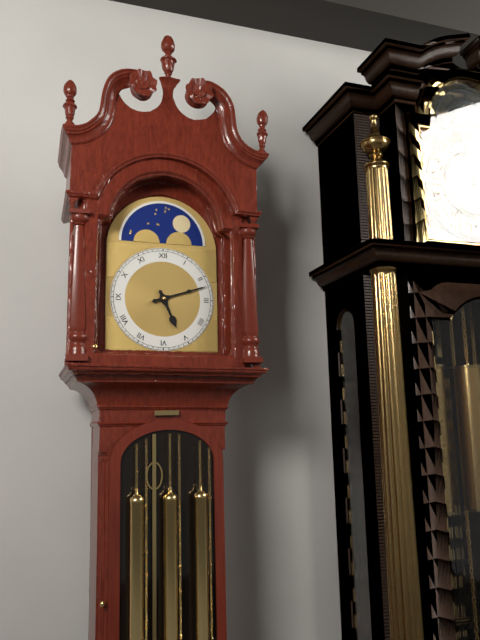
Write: 5:12
